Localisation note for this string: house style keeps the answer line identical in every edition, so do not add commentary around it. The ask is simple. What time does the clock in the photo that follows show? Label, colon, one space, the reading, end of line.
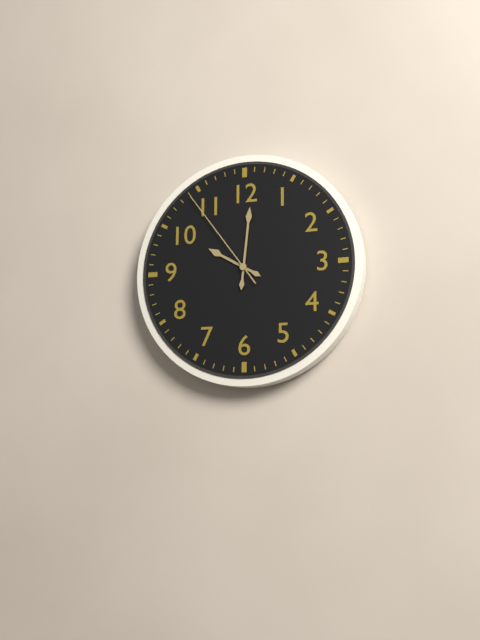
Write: 10:01:54
